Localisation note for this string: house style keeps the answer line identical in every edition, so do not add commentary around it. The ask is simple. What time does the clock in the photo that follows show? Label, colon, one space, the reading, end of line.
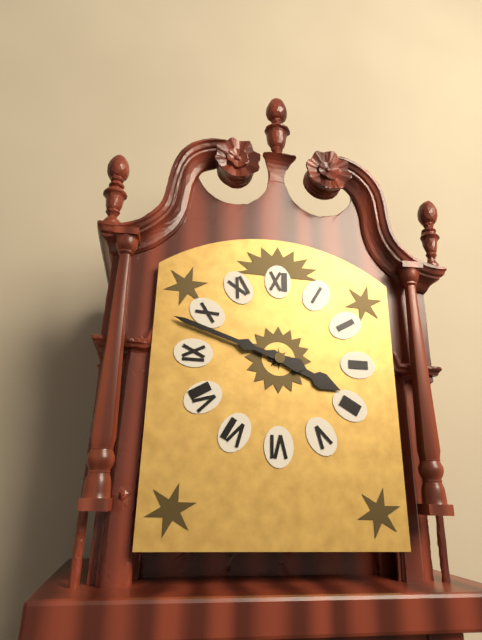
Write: 3:48
